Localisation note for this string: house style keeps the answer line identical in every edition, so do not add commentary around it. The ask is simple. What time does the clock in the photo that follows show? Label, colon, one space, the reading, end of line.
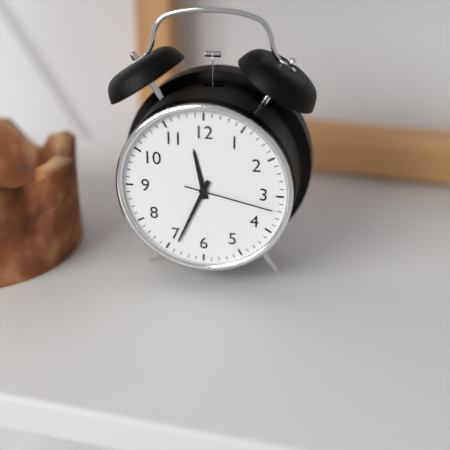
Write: 11:34:17
